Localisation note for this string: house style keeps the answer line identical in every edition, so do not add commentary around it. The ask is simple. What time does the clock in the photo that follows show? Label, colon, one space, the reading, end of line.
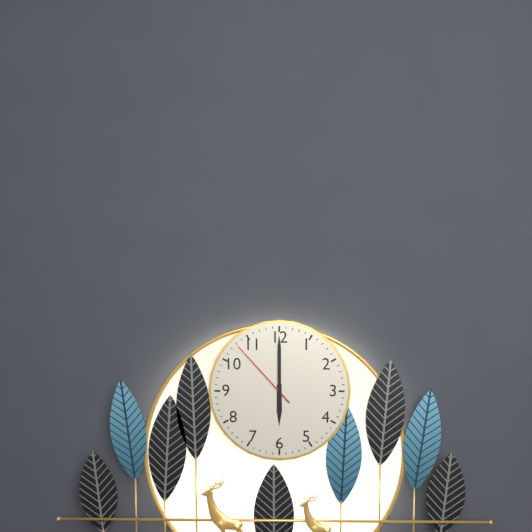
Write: 6:00:53
